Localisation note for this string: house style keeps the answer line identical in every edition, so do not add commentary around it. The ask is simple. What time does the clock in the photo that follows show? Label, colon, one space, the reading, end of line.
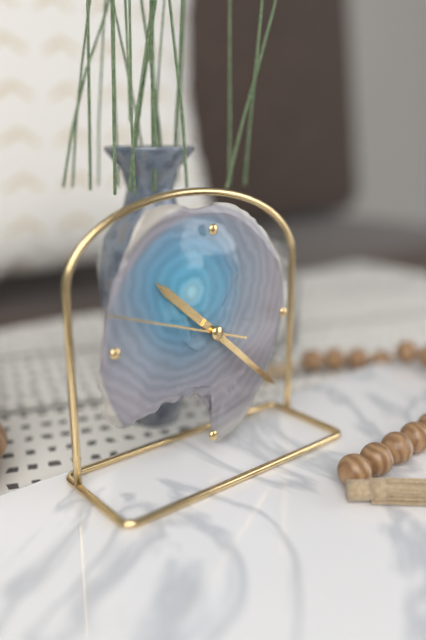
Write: 10:22:48
